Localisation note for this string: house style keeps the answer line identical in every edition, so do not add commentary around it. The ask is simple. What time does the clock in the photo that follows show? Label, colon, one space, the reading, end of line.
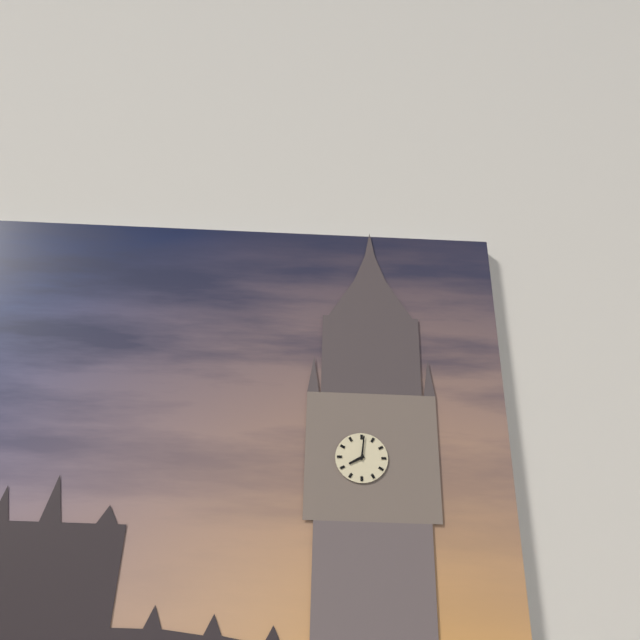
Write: 8:01
